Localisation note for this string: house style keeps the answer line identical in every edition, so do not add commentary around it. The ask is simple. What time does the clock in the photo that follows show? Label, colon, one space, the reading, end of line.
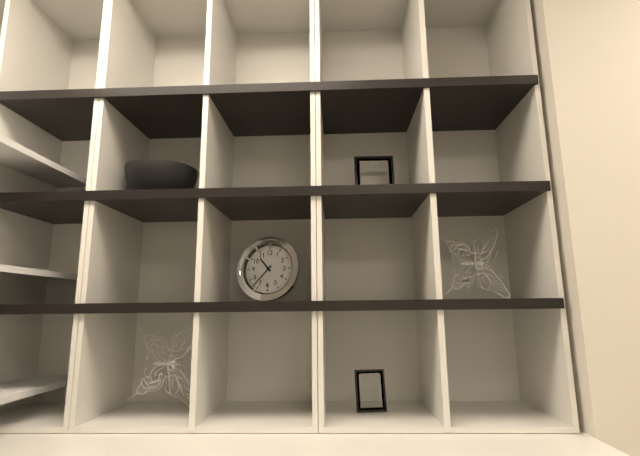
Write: 10:37
